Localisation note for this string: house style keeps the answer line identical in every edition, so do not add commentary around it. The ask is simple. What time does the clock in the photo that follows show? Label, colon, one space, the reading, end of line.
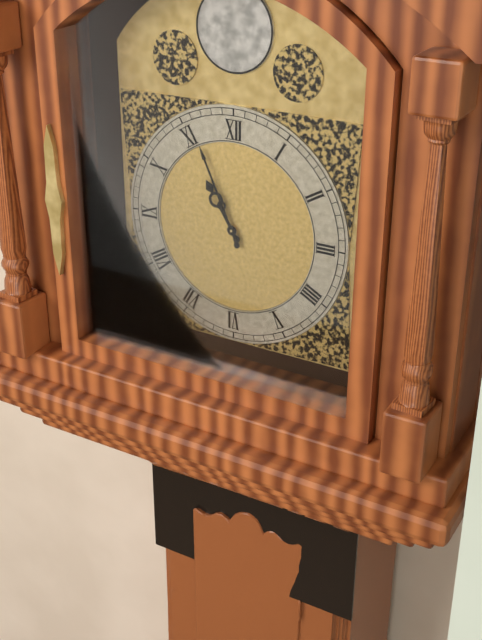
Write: 10:56
